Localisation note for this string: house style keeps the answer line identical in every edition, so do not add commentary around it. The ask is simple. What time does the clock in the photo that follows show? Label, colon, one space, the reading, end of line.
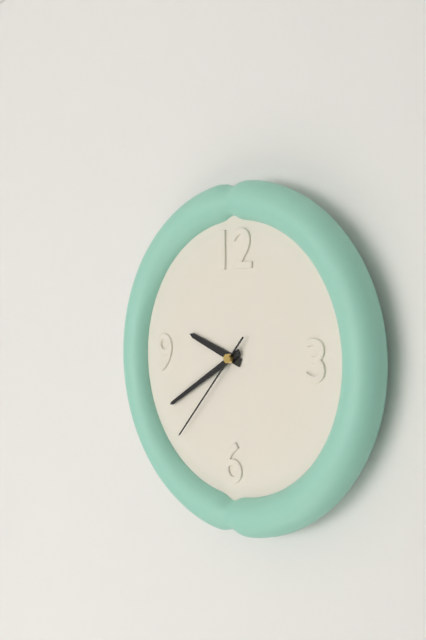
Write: 9:40:37
